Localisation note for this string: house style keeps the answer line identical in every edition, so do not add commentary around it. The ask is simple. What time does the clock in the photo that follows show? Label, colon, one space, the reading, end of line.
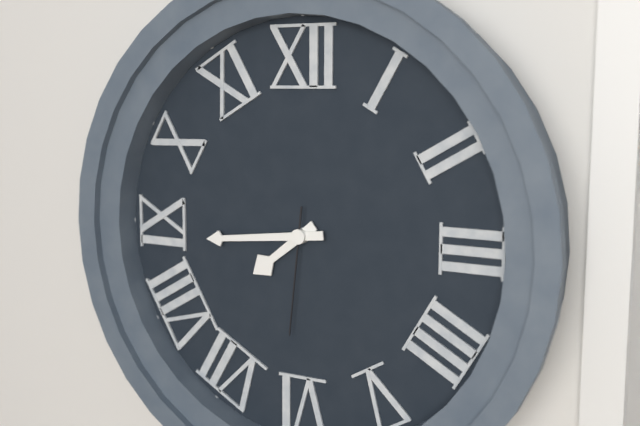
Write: 7:44:31
